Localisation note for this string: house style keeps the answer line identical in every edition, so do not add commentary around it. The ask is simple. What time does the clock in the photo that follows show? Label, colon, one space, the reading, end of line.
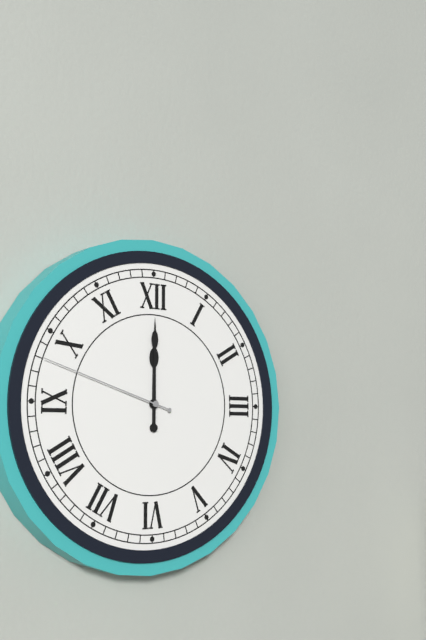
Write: 12:00:48
